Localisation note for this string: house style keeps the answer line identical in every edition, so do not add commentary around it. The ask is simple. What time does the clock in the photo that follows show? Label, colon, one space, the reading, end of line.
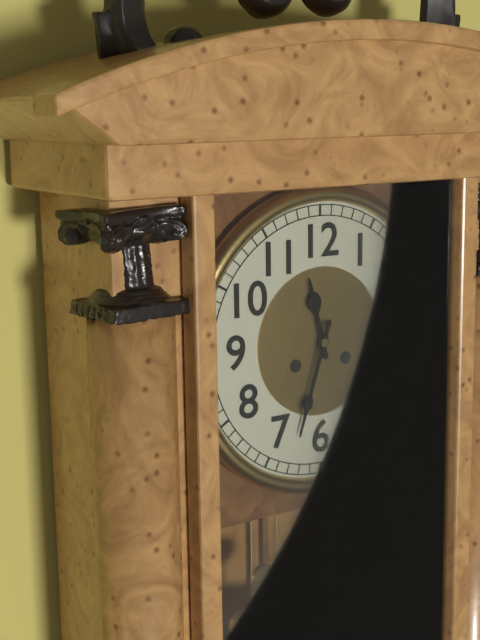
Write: 11:33
